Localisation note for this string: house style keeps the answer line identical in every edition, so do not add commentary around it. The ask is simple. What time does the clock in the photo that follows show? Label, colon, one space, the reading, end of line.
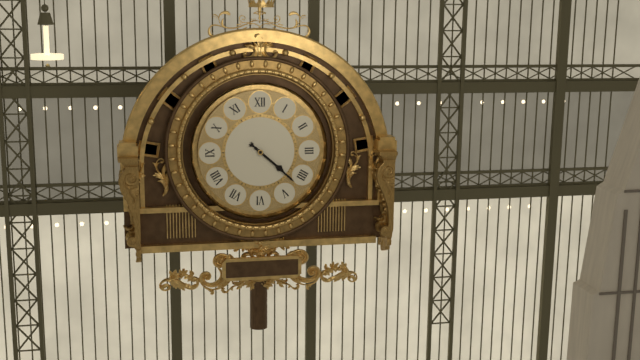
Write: 4:22
